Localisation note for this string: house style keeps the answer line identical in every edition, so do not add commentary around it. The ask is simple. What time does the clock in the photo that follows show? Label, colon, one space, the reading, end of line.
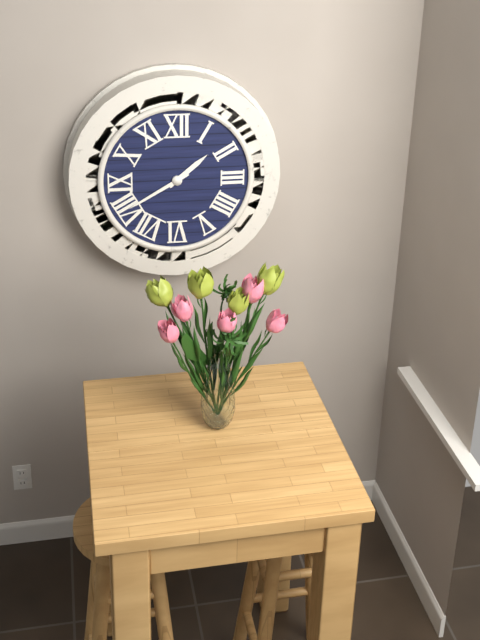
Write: 1:40
